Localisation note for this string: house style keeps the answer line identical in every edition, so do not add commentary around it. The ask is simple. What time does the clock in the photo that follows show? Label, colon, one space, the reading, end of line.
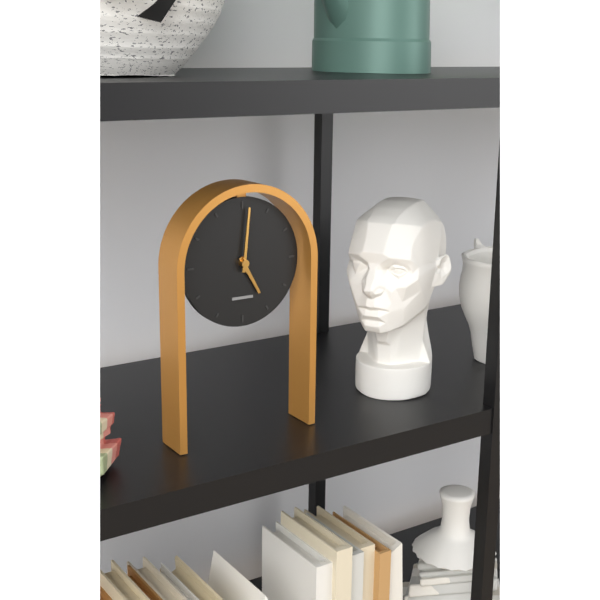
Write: 5:01
